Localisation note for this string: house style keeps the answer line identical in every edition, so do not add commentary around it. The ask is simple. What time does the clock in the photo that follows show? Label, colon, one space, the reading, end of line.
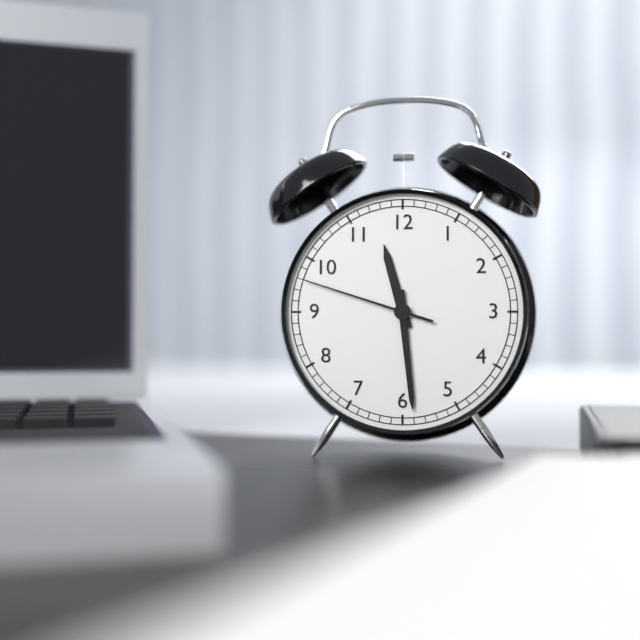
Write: 11:29:48
